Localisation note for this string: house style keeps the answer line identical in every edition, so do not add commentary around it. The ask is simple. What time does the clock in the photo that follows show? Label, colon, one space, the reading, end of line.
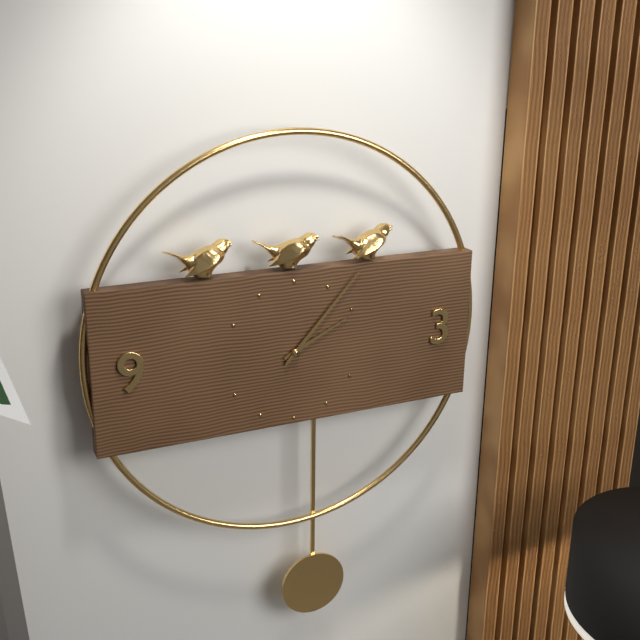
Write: 2:07
